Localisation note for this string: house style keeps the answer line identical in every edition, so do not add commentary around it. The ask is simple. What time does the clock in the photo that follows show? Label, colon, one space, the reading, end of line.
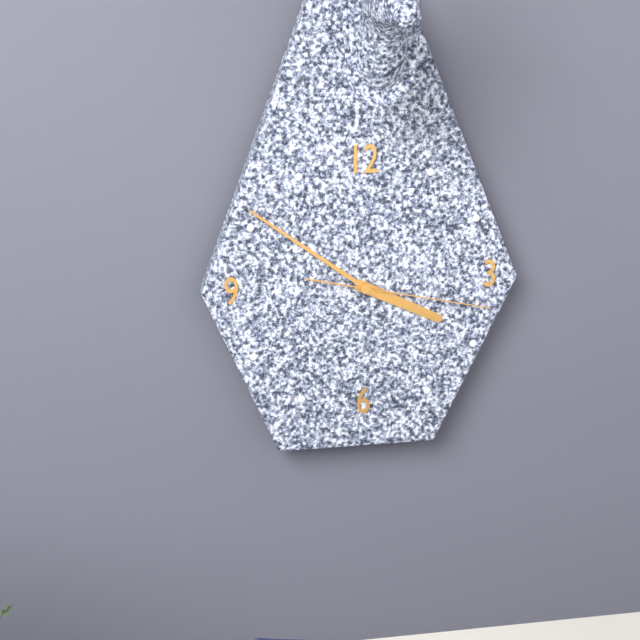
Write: 3:51:17
